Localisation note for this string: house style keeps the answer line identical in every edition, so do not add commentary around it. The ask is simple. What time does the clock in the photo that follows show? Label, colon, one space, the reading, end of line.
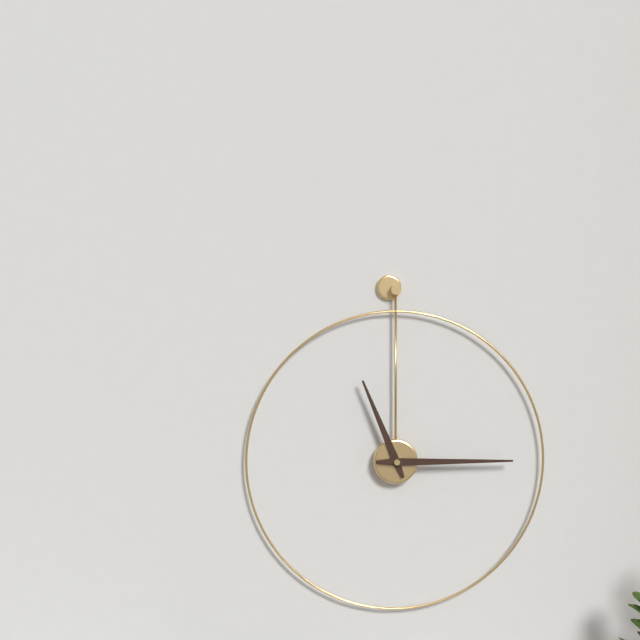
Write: 11:15
